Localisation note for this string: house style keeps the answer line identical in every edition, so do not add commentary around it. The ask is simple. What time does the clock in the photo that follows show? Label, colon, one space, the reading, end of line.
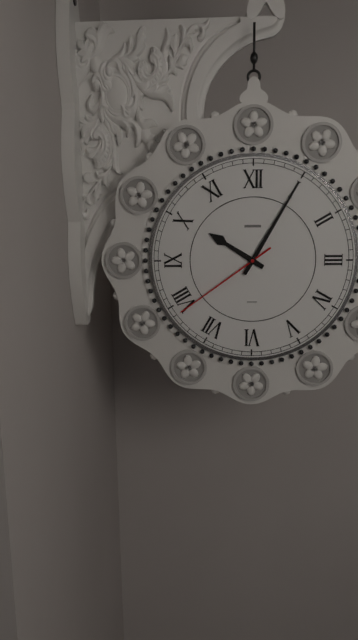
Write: 10:05:39
